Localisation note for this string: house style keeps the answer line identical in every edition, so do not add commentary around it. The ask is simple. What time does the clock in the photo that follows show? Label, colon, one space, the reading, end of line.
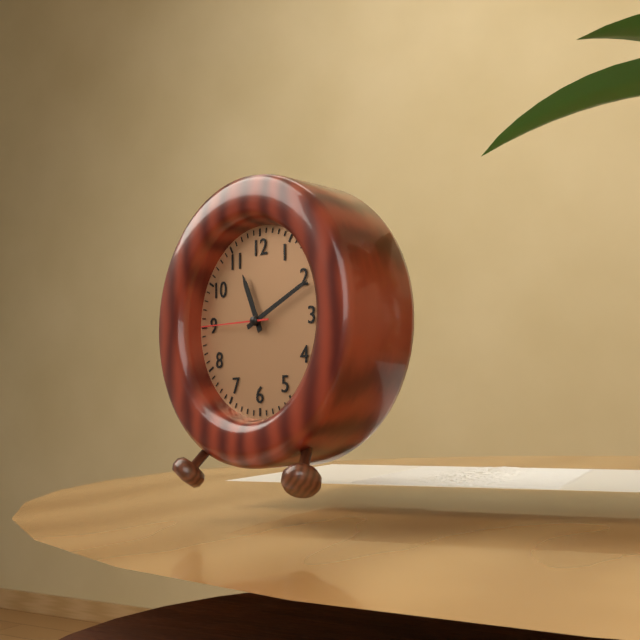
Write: 11:11:45
